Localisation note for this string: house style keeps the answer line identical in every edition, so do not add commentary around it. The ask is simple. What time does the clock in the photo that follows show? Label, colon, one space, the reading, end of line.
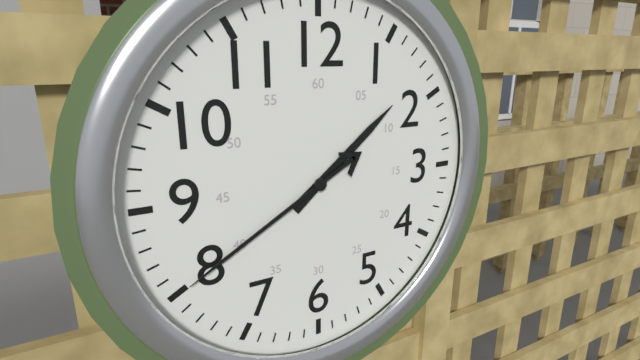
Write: 1:40
